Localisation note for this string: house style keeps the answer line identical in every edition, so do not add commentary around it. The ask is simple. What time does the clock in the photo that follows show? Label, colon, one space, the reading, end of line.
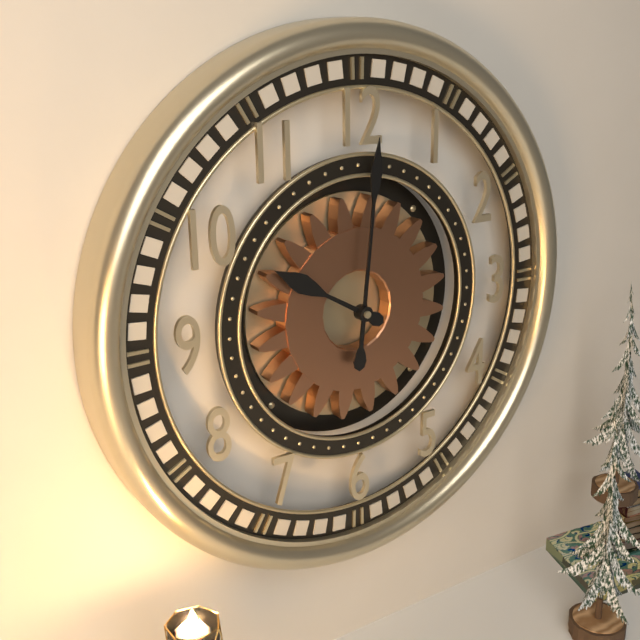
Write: 10:01
